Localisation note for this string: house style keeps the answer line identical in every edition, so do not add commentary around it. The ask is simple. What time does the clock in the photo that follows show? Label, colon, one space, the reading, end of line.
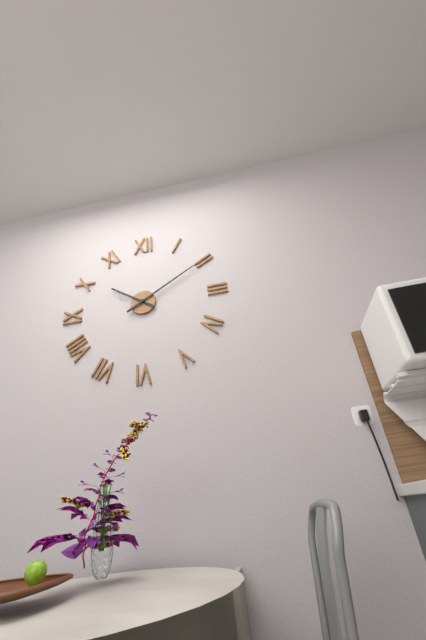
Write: 10:10
